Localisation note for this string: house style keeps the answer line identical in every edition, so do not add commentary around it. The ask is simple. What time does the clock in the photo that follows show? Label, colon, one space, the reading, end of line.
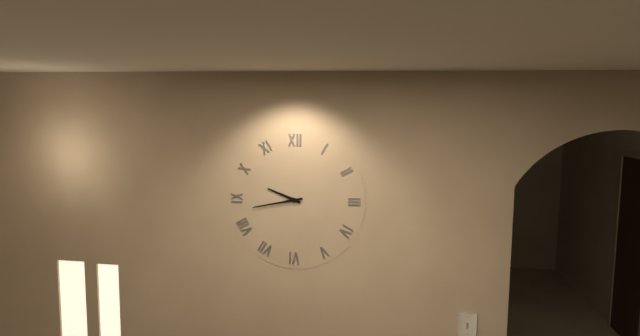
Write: 9:43
